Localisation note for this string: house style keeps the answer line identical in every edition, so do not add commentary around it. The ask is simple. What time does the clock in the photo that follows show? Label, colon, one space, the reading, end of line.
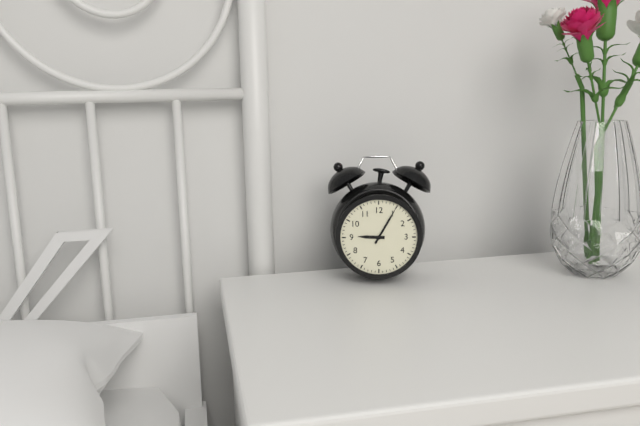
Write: 9:05
